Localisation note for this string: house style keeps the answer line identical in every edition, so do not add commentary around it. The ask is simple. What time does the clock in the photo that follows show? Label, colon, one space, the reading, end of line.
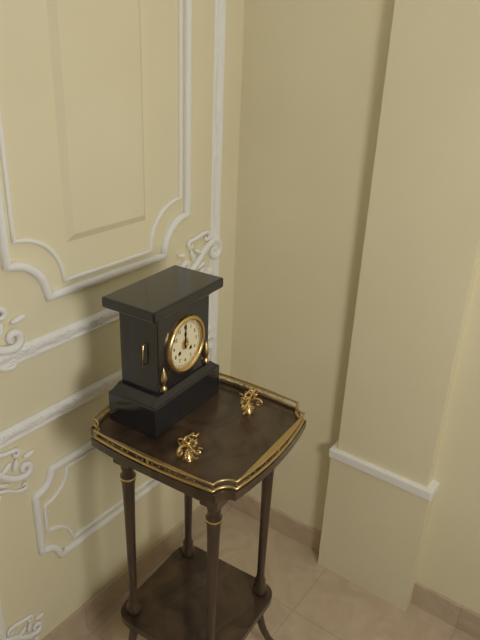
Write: 12:00
